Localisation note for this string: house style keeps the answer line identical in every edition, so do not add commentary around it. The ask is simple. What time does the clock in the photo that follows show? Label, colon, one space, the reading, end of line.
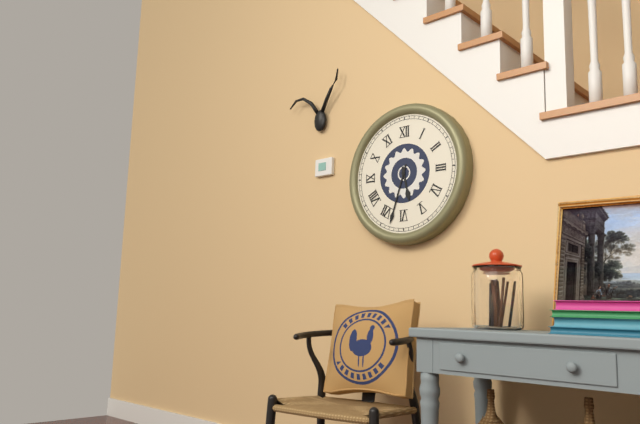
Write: 5:33
